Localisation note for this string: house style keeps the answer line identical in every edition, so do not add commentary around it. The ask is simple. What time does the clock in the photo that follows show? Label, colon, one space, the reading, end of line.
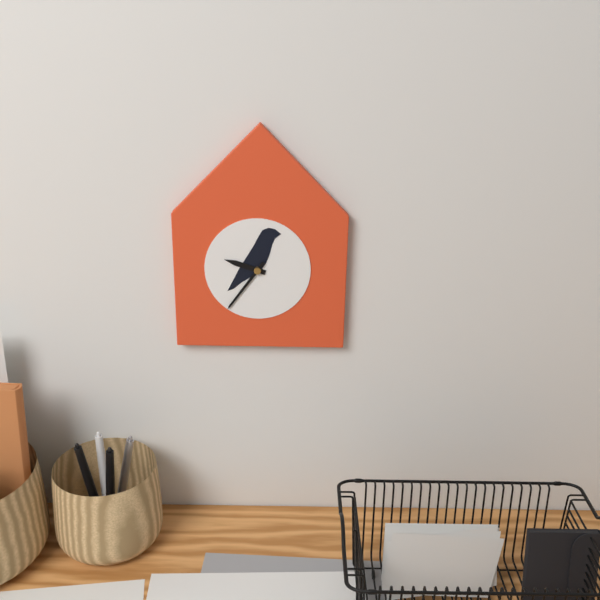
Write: 9:36
